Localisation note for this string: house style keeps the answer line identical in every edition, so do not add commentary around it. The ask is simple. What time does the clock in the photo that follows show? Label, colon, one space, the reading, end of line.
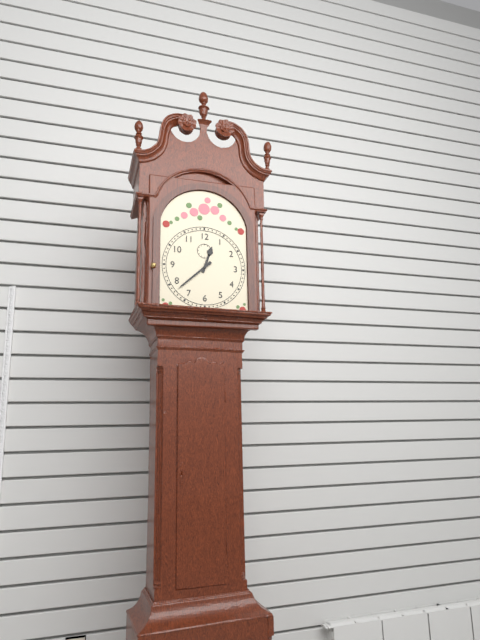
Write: 12:38
